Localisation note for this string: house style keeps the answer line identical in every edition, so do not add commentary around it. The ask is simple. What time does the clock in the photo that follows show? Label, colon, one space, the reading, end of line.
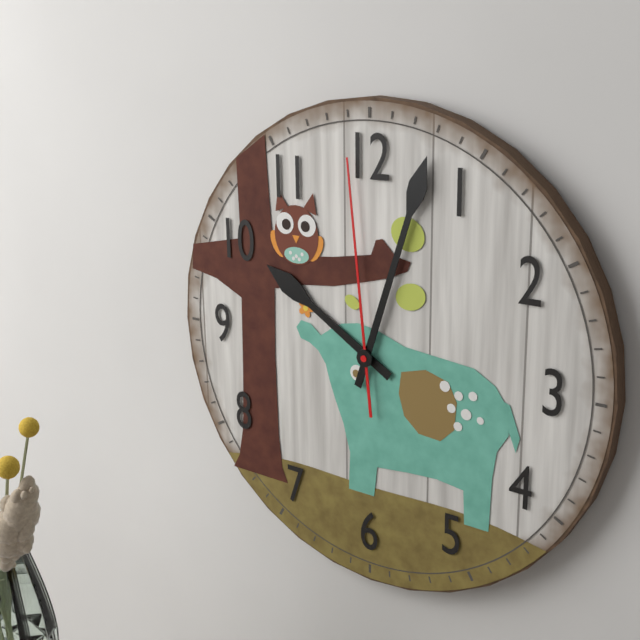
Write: 10:03:59
